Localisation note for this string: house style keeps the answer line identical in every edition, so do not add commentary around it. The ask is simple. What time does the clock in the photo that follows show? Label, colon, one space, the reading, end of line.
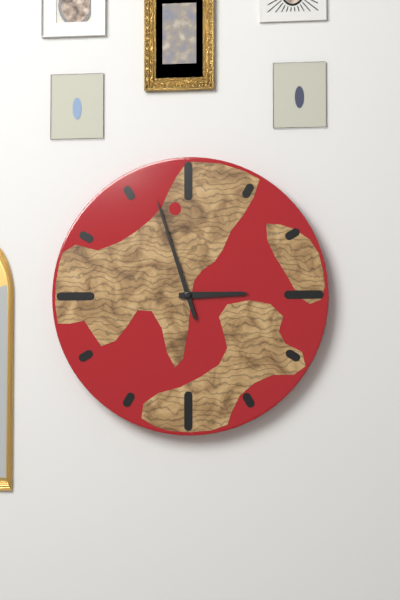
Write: 2:57
